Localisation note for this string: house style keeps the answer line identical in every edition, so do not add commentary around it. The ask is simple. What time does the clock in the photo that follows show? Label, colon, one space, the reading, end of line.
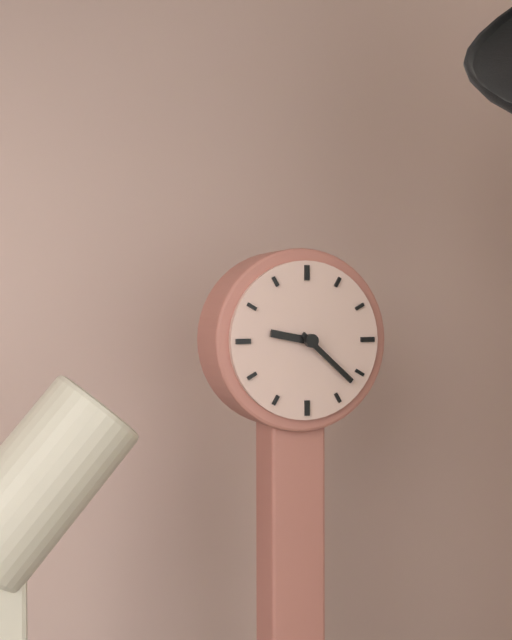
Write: 9:22
